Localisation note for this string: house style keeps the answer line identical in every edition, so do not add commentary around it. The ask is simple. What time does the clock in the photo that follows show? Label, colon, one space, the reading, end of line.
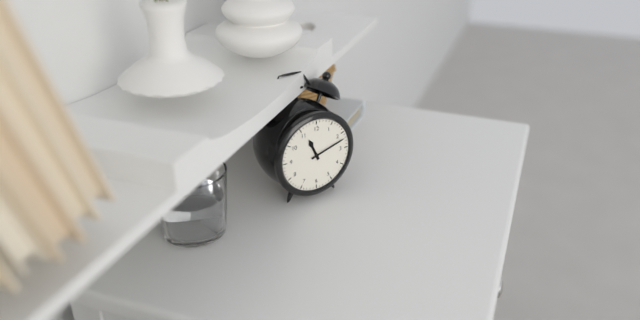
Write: 11:12
